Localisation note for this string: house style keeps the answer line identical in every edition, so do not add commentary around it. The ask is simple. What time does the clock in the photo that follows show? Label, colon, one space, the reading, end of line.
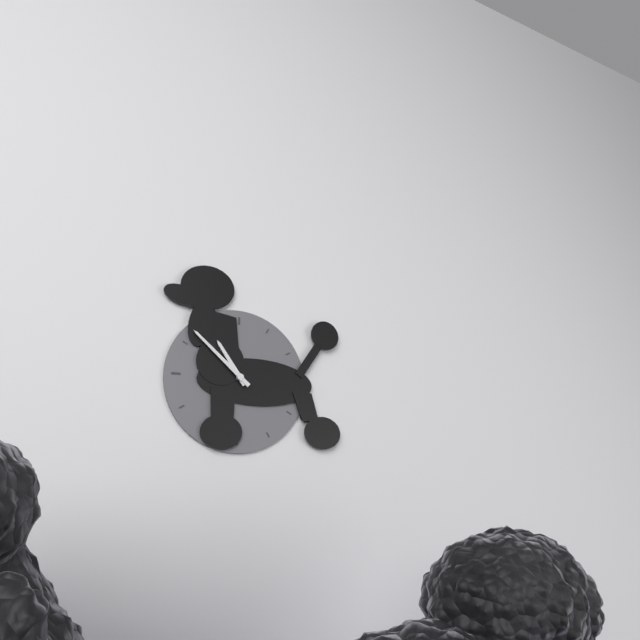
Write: 10:52
